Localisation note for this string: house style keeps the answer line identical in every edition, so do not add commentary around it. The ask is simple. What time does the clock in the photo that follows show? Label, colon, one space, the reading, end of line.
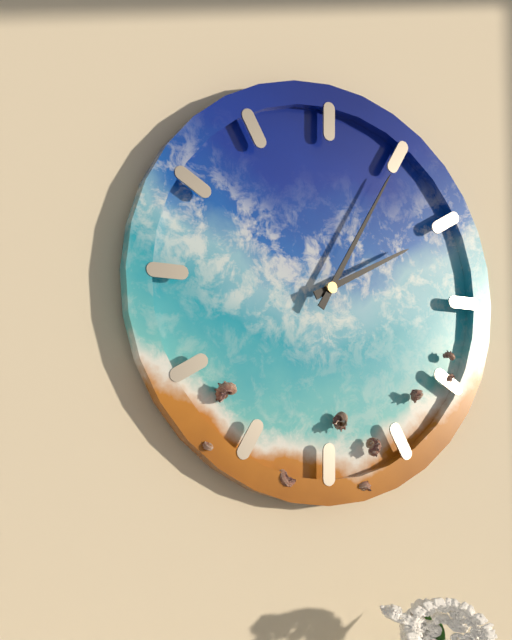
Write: 2:05
